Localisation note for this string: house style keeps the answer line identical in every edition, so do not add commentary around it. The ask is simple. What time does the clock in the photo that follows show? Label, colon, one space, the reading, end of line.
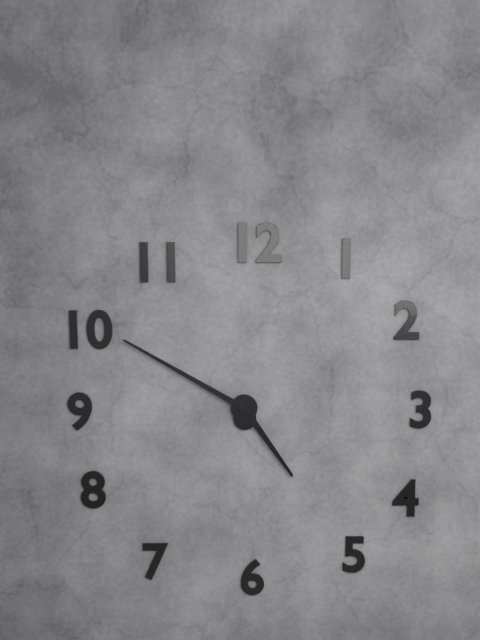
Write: 4:50
